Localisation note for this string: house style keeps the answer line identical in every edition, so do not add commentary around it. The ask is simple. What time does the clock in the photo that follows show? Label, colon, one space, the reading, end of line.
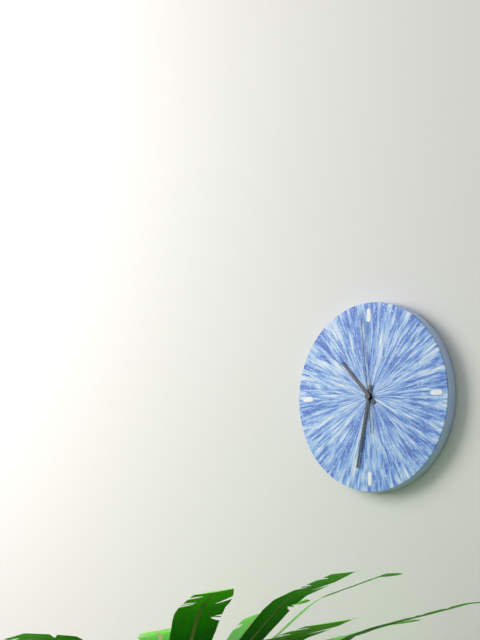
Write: 10:32:59
